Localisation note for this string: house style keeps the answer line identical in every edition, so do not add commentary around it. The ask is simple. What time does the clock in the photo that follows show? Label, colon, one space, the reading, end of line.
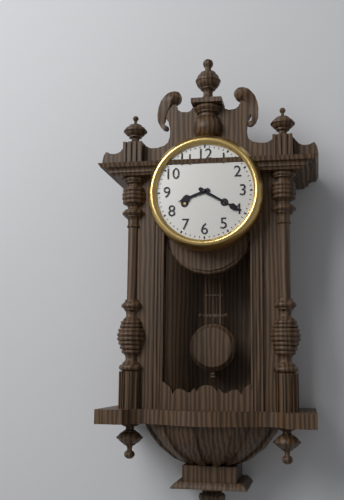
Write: 8:20
